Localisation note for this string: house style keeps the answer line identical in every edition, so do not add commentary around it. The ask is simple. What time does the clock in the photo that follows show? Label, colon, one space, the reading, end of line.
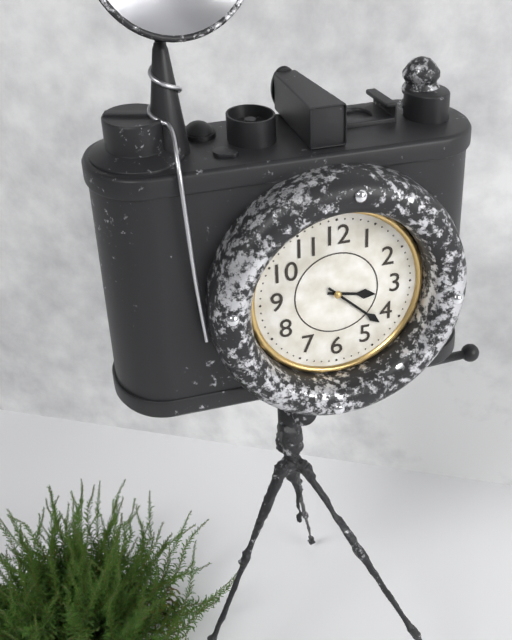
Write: 3:22
